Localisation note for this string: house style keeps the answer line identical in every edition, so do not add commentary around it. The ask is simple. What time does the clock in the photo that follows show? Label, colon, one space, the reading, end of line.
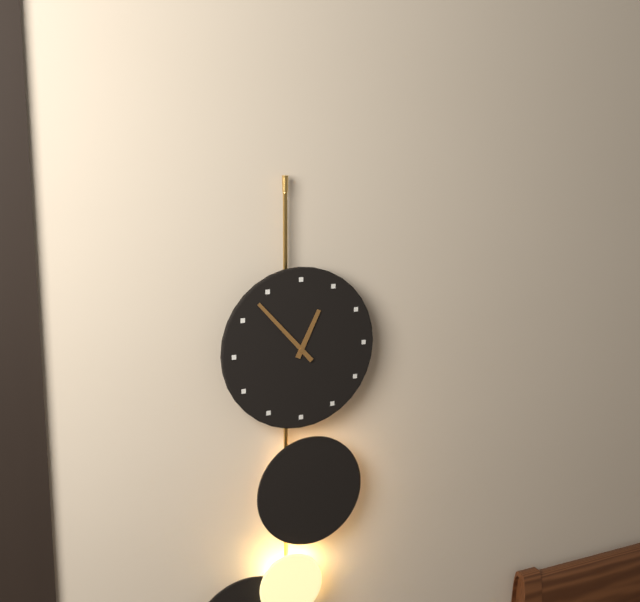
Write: 12:53
